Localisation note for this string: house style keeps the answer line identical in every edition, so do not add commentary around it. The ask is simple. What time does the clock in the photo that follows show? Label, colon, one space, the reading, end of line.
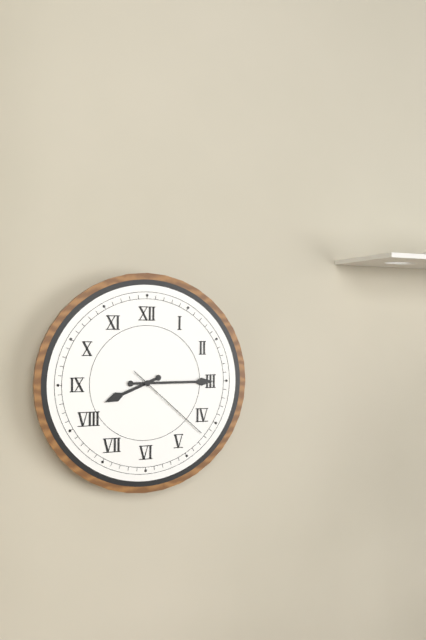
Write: 8:15:22
